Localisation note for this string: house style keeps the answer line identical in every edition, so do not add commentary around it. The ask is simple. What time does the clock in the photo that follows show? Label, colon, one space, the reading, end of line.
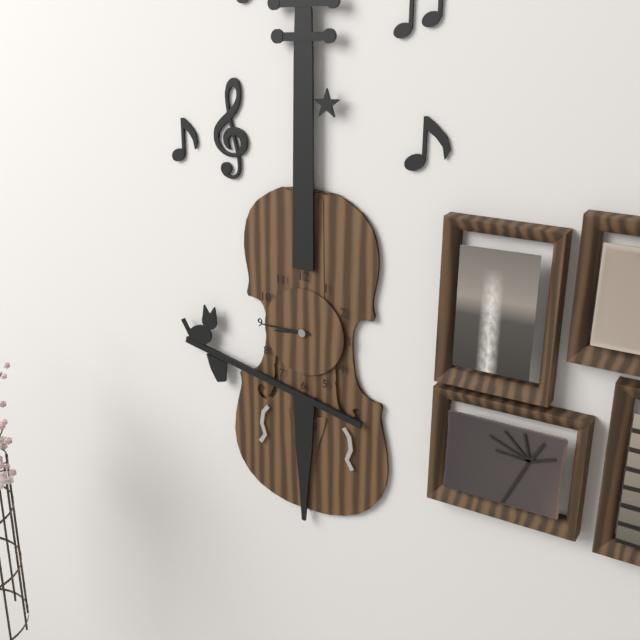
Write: 8:45
